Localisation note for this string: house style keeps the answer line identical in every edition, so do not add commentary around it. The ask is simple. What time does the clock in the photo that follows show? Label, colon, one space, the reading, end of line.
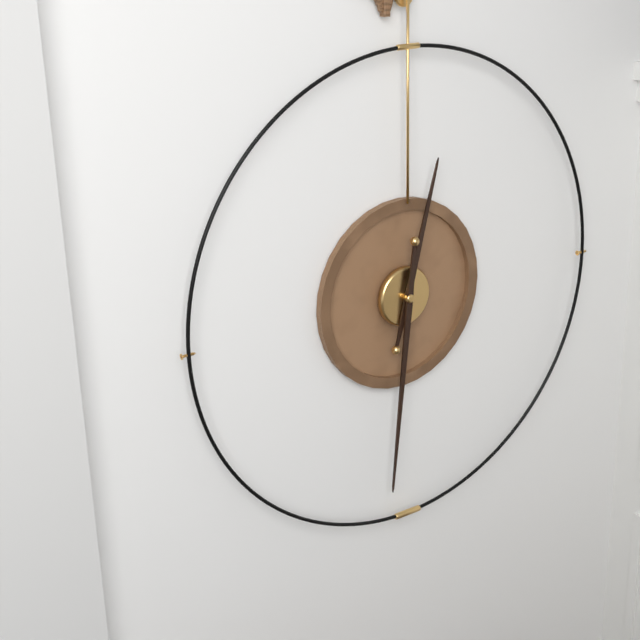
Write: 12:31
